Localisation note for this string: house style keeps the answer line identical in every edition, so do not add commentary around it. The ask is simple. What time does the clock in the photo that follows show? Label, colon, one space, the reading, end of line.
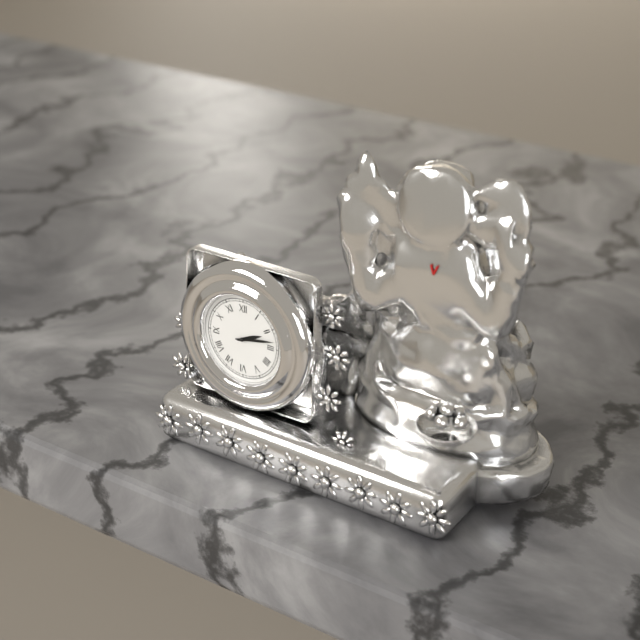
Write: 2:13
